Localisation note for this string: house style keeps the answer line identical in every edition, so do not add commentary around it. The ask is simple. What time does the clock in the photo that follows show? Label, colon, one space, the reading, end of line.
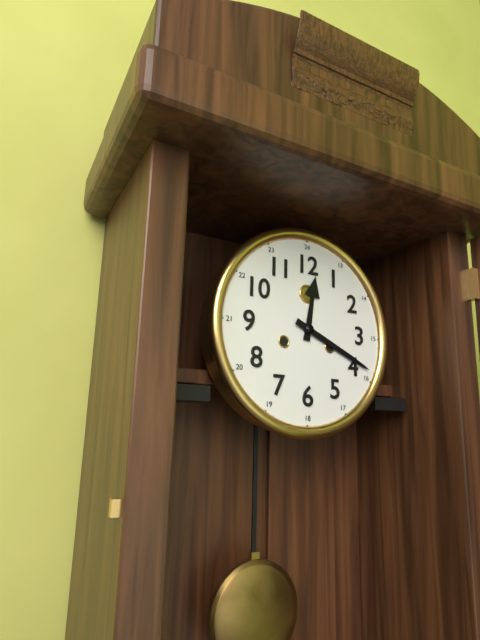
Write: 12:19
